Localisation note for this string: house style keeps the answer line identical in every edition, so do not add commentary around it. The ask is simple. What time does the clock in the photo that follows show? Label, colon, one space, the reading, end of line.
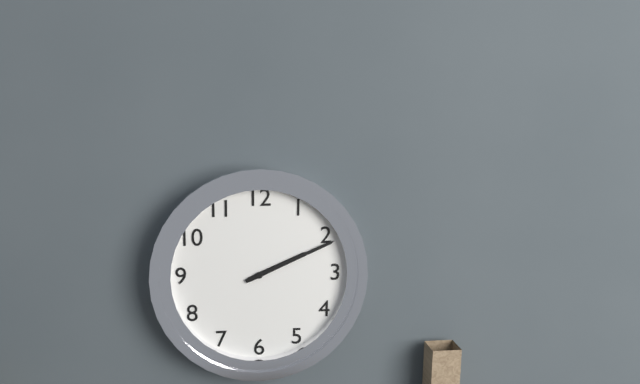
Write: 2:11
